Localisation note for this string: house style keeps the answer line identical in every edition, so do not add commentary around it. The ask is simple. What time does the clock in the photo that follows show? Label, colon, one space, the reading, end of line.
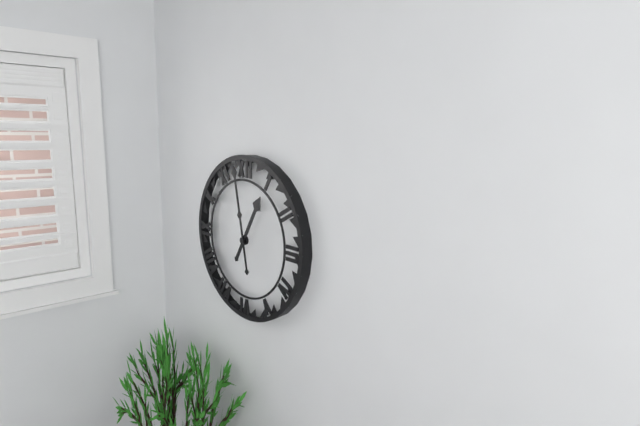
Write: 12:58
